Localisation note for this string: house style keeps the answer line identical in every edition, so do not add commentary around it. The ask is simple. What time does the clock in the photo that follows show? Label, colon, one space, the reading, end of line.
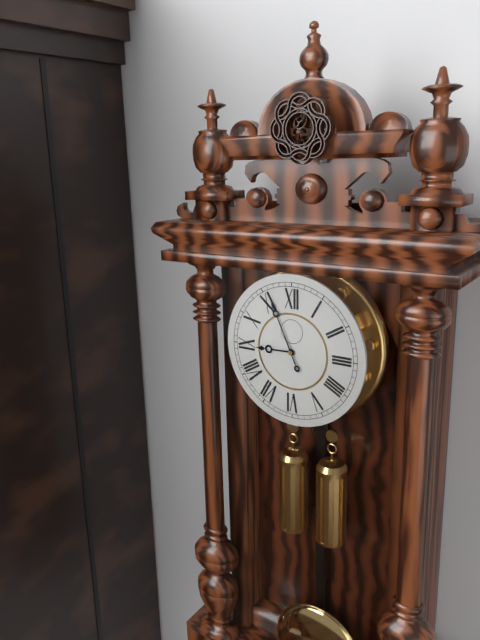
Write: 8:56
